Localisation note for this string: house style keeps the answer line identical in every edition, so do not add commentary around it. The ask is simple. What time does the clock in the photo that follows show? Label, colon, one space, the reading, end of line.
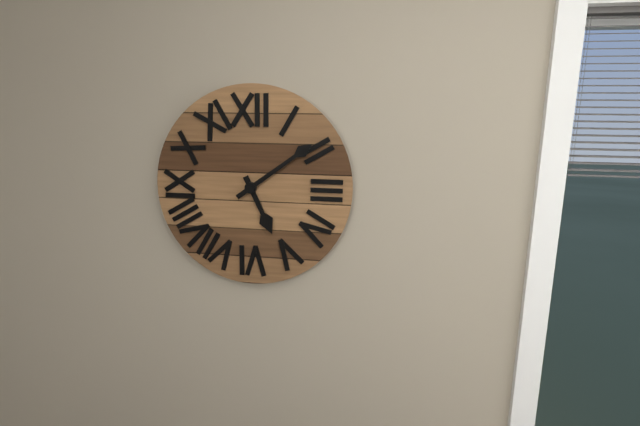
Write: 5:09
